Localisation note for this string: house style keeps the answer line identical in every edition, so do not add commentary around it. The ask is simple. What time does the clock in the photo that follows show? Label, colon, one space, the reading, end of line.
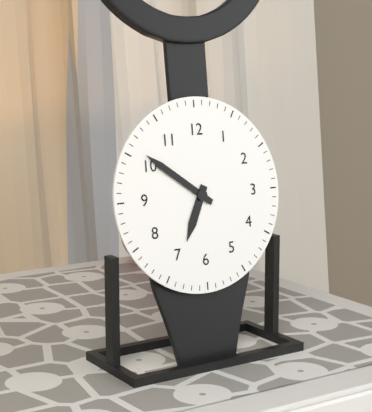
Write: 6:51
